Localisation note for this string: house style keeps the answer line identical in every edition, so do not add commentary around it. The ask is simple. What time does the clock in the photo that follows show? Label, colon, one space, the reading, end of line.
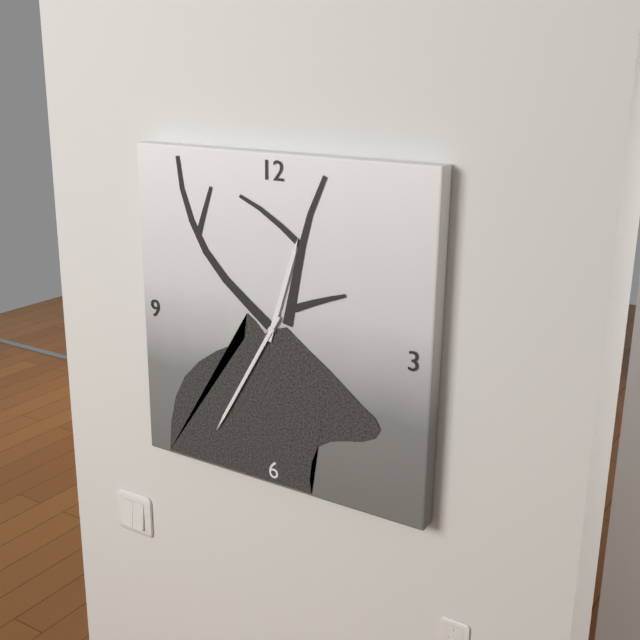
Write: 12:35
